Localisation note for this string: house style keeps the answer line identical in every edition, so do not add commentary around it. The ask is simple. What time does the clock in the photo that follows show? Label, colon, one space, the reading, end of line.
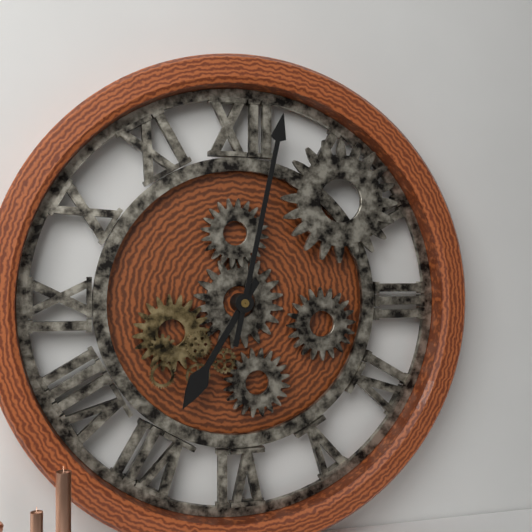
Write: 7:02
